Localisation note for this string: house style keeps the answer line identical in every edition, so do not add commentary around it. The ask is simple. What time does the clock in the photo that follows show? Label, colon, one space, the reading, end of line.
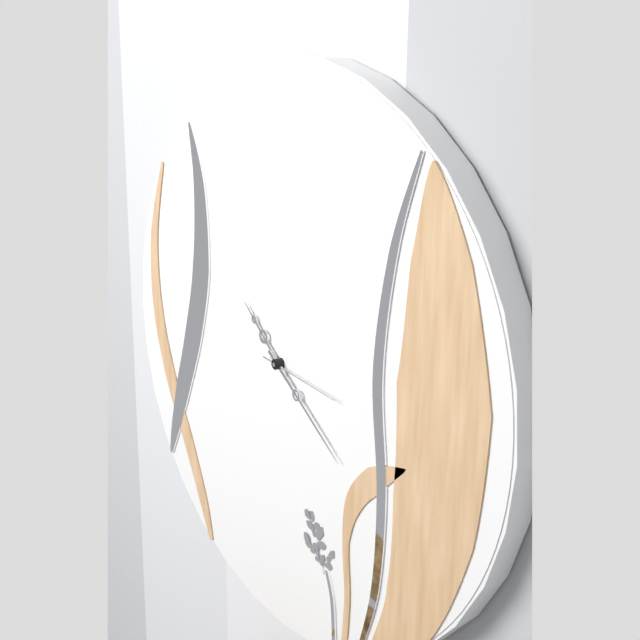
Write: 10:21:16
